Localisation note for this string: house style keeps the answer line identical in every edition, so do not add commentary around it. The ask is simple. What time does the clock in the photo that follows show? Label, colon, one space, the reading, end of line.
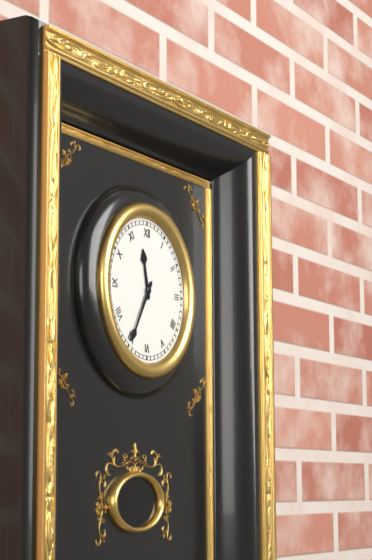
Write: 11:35
